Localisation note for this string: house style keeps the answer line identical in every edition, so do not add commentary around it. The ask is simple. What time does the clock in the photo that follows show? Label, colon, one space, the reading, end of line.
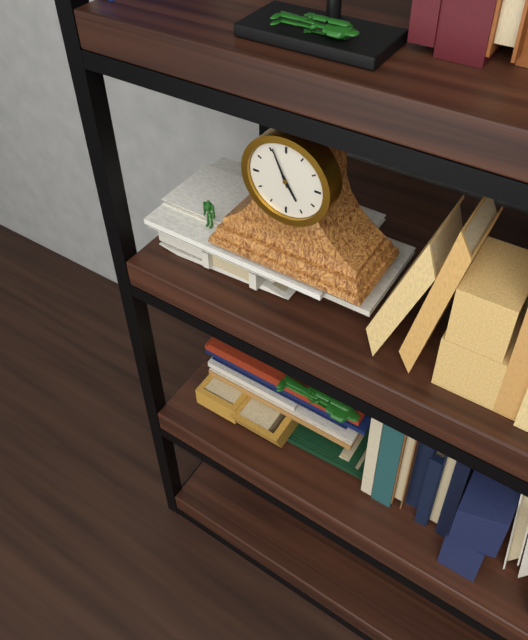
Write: 4:56
